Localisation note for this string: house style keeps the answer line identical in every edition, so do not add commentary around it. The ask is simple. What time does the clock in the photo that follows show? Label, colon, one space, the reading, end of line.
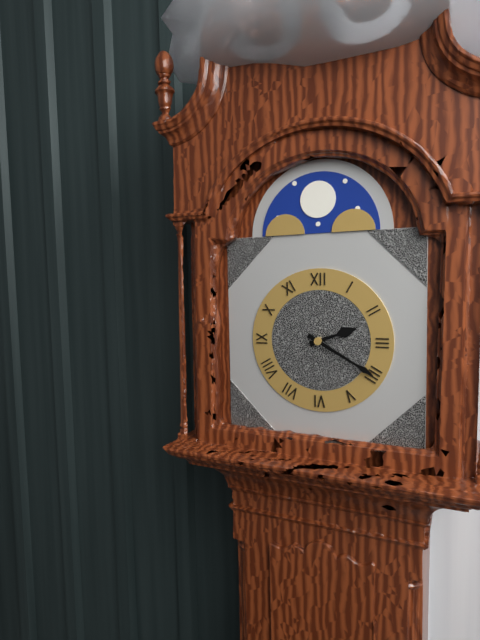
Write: 2:20
